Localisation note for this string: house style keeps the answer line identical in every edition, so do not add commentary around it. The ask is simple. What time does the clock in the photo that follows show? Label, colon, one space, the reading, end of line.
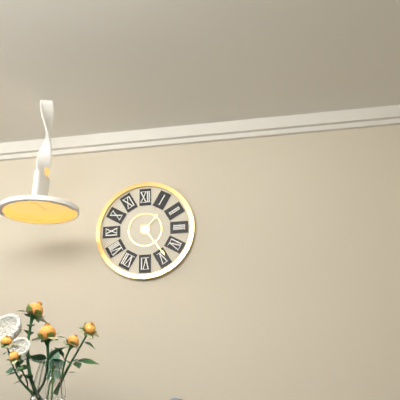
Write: 1:24
